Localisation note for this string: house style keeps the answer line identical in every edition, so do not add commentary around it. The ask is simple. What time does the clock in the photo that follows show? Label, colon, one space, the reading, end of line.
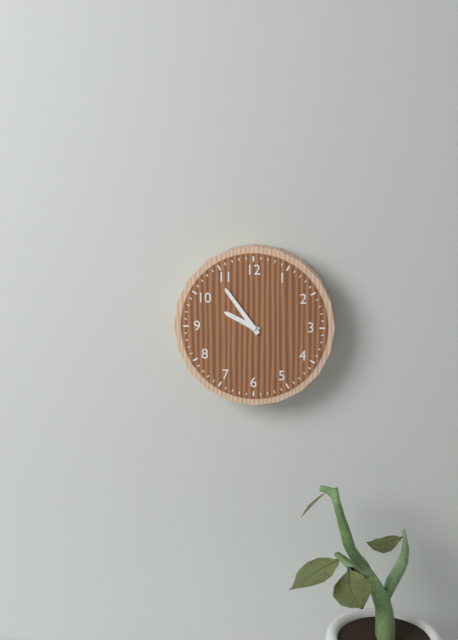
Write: 9:54
